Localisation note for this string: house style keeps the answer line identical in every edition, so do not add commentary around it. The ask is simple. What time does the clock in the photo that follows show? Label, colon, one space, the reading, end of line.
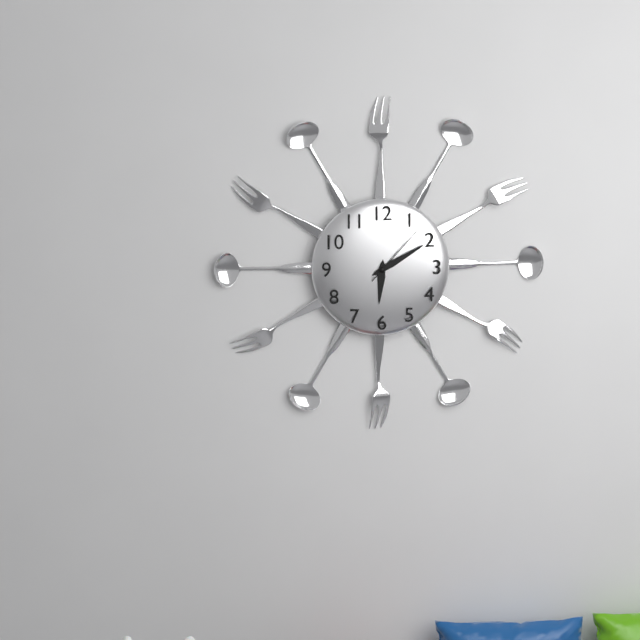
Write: 6:10:07
